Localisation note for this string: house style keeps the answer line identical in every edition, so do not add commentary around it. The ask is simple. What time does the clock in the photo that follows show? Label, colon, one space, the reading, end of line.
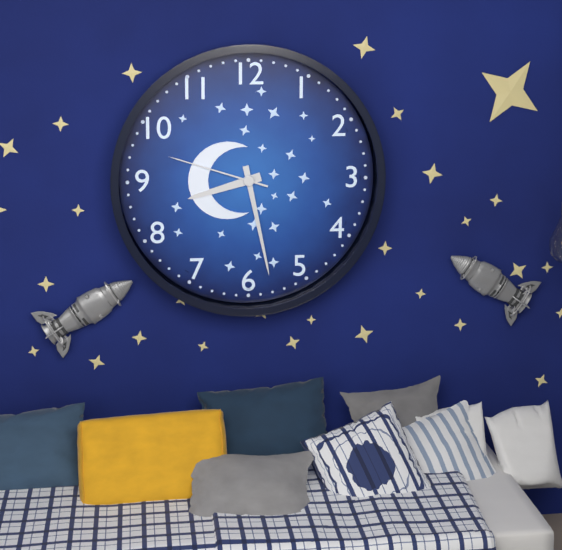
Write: 8:28:48
